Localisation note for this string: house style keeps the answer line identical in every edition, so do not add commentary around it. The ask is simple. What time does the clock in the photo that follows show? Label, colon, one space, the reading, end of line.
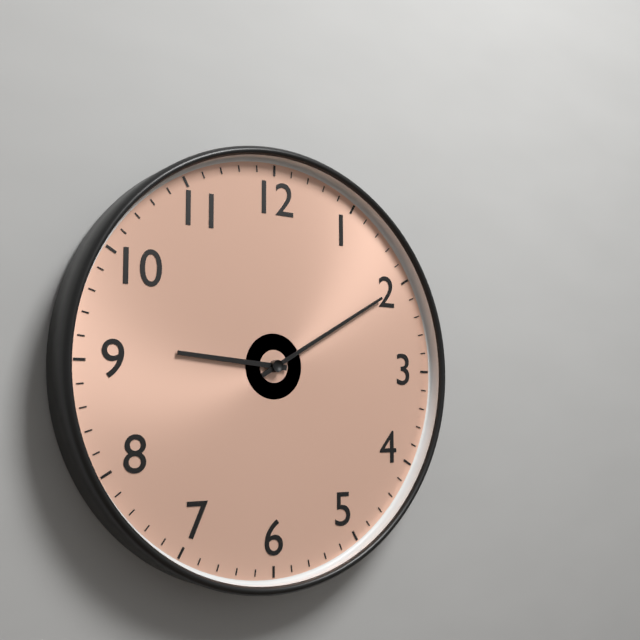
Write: 9:10
